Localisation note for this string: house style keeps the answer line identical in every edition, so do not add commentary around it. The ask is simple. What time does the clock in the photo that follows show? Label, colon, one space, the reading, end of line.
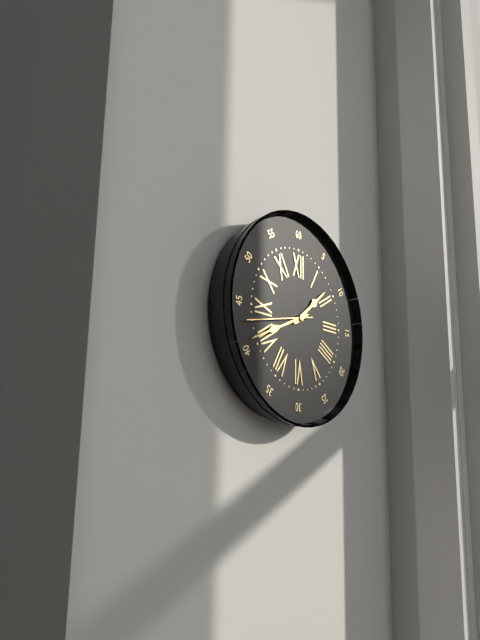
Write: 1:41:43
